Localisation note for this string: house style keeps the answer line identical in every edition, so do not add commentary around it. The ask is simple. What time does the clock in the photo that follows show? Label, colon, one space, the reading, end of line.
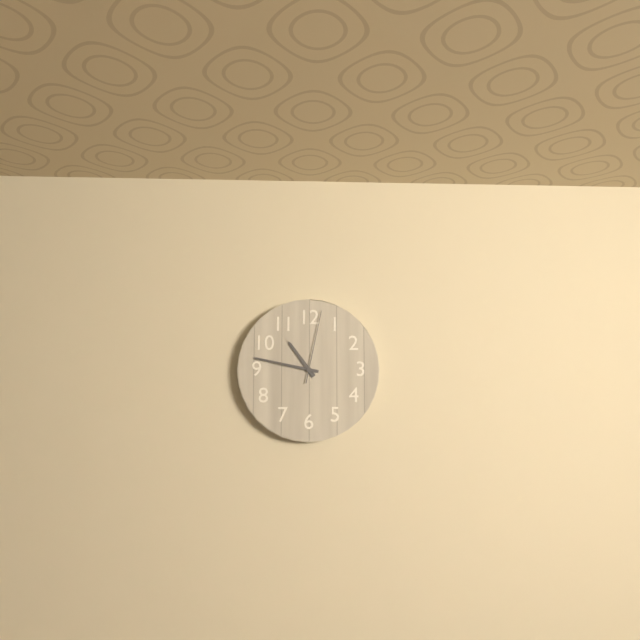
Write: 10:47:02
